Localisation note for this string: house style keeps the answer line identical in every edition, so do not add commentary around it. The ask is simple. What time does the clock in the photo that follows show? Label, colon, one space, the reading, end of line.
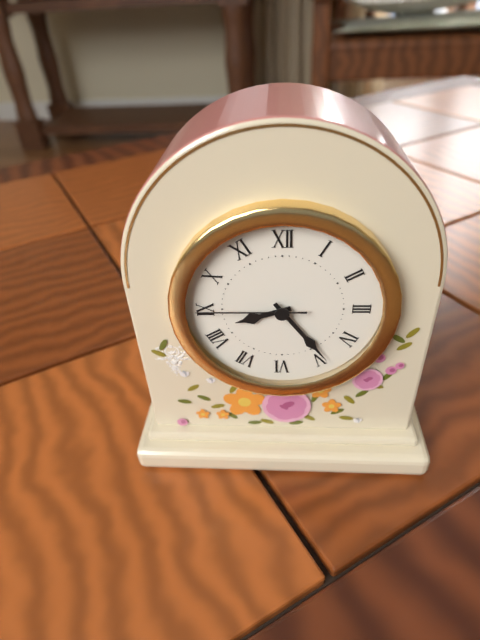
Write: 8:24:45
